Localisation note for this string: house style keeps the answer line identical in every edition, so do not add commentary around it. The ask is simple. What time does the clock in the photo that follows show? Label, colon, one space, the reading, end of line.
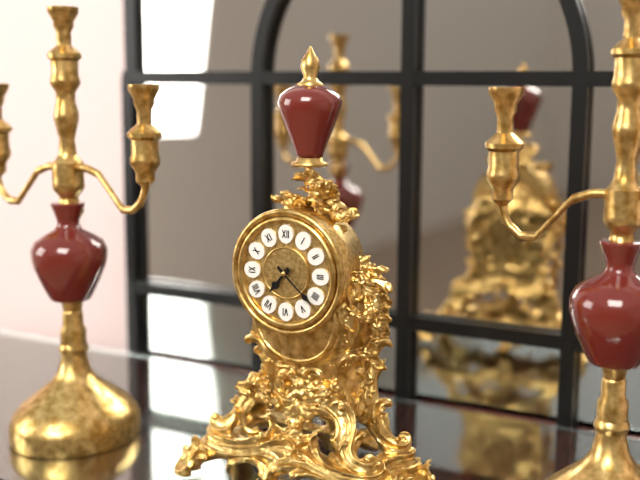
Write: 7:22
